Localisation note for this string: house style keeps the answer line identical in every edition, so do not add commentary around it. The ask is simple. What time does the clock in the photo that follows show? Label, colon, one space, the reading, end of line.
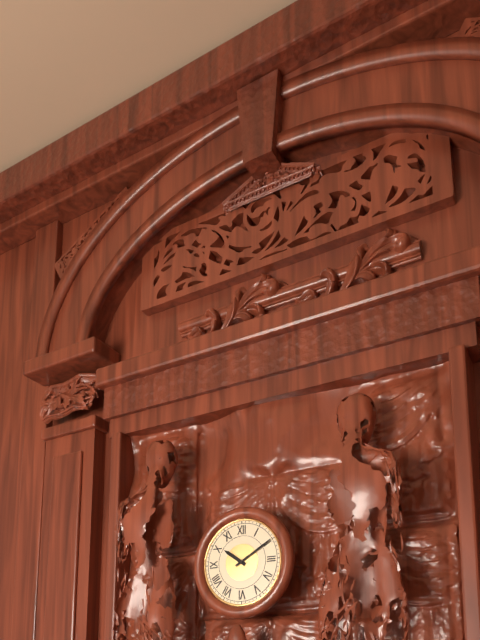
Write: 10:10
